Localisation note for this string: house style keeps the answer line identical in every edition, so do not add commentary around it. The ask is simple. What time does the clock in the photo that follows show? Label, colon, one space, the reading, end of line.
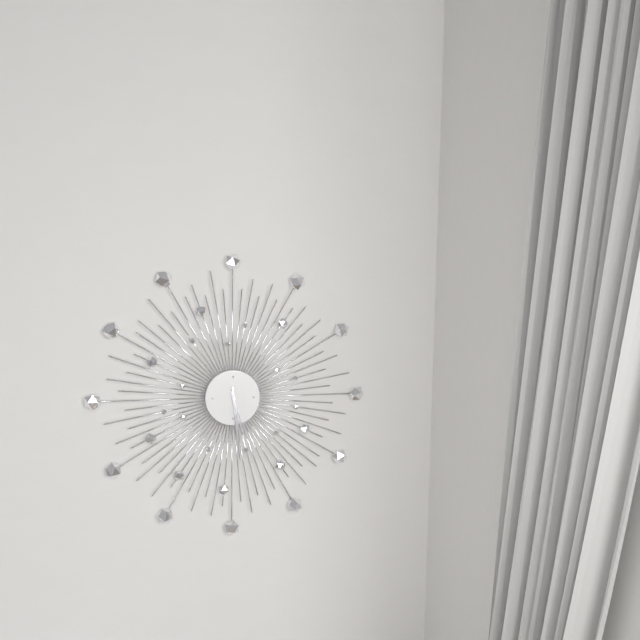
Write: 5:29
